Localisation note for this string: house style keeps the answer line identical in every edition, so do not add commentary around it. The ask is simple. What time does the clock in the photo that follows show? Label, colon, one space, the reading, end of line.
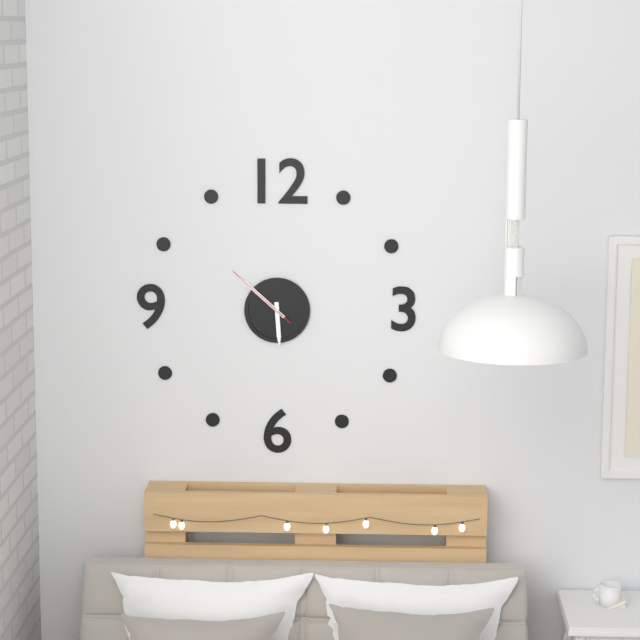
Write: 5:52:52
